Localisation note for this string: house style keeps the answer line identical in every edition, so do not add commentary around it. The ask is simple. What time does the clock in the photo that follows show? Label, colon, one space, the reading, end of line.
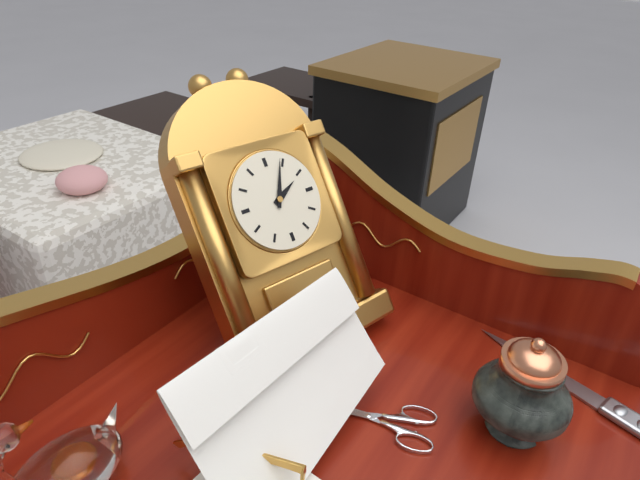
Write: 2:04
